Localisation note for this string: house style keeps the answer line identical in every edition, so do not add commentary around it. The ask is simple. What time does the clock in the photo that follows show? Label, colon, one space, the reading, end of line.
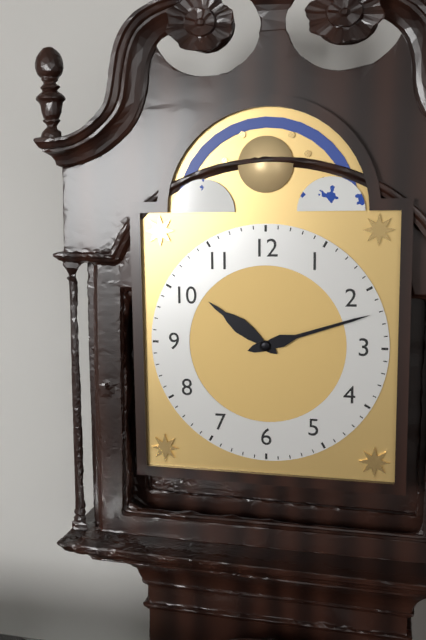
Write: 10:12
